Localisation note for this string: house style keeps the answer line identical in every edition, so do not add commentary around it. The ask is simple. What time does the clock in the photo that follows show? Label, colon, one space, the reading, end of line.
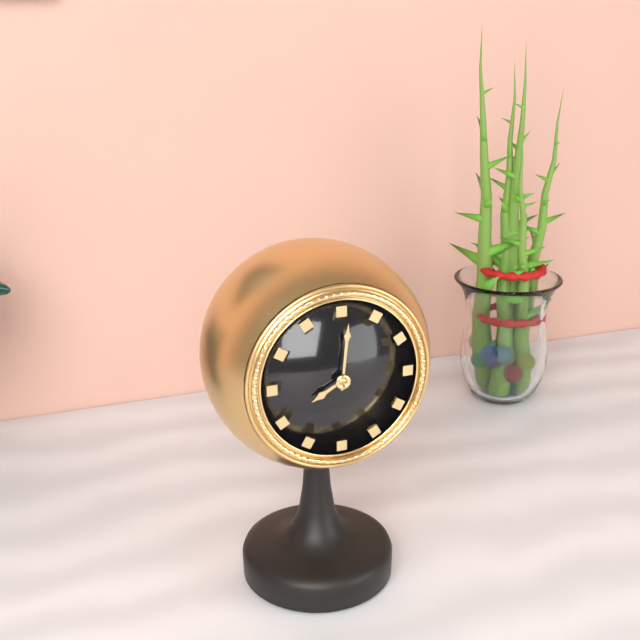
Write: 8:01
